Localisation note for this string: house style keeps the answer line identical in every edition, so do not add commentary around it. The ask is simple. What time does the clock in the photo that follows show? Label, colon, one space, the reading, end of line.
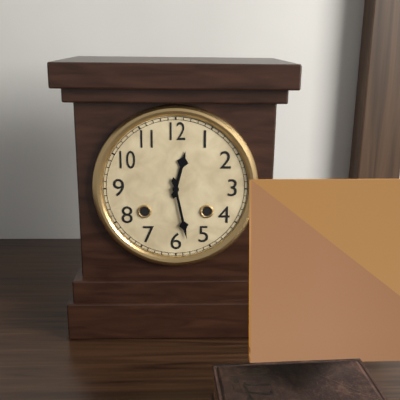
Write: 12:28
